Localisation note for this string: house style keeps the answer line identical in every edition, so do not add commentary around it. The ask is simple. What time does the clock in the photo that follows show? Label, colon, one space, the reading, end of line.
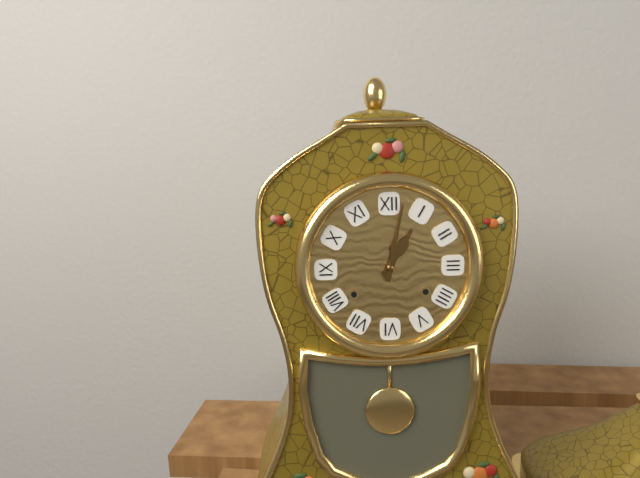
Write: 1:02
